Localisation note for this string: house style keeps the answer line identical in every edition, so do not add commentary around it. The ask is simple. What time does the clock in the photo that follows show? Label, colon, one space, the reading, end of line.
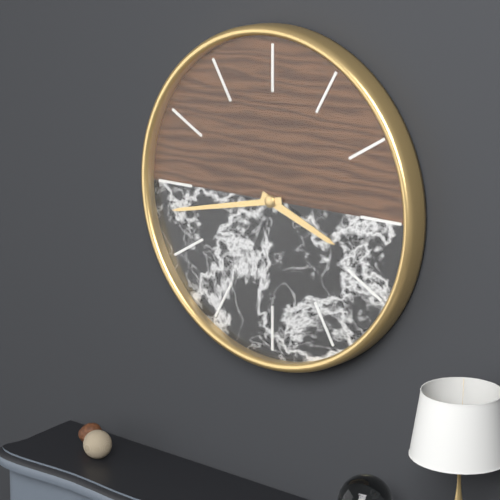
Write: 3:43
